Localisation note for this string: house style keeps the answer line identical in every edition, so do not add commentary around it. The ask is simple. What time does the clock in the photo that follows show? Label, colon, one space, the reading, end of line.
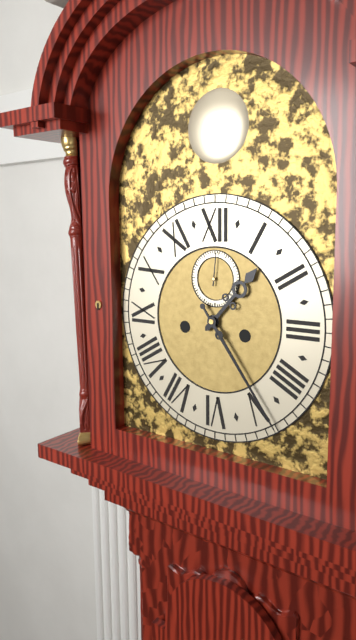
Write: 1:24
